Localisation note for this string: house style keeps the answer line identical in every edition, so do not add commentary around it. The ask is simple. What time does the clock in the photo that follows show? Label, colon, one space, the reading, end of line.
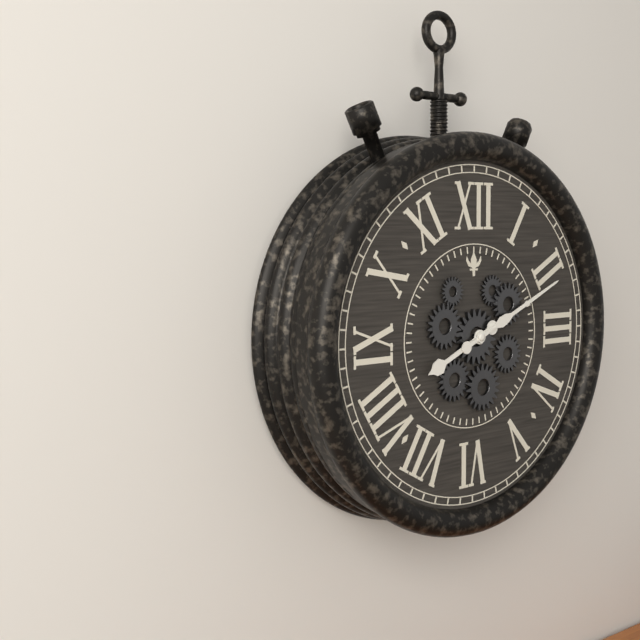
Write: 8:11
